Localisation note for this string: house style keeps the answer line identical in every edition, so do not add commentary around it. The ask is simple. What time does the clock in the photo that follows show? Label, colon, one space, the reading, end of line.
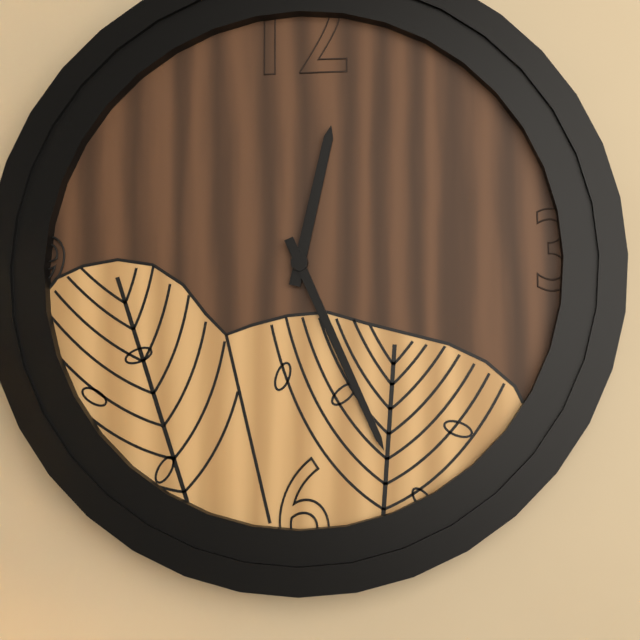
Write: 12:26
